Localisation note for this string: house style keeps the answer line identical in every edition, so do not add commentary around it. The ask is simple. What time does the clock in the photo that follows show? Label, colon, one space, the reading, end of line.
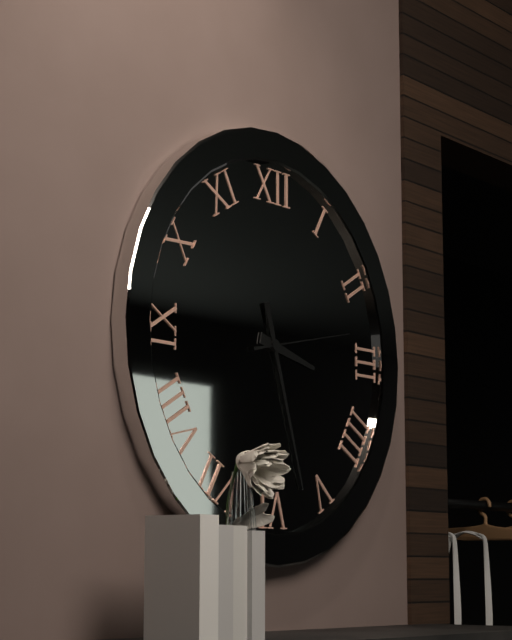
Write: 3:27:13
